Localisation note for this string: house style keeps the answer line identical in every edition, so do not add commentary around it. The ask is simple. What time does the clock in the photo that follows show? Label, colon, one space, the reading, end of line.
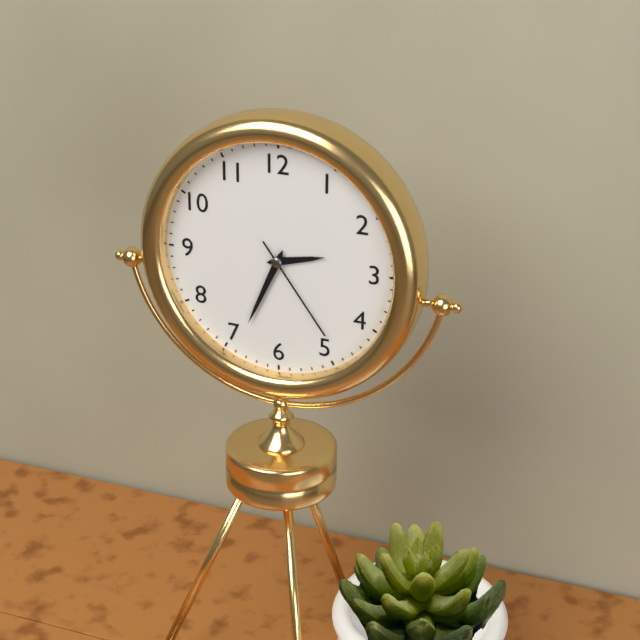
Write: 2:34:24
